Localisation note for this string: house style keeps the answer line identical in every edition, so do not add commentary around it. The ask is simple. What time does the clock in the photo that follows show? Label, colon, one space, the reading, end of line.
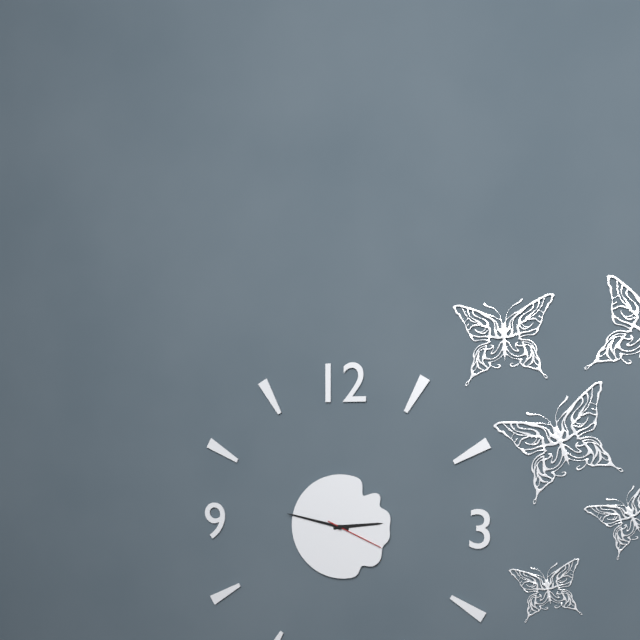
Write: 2:47:19
